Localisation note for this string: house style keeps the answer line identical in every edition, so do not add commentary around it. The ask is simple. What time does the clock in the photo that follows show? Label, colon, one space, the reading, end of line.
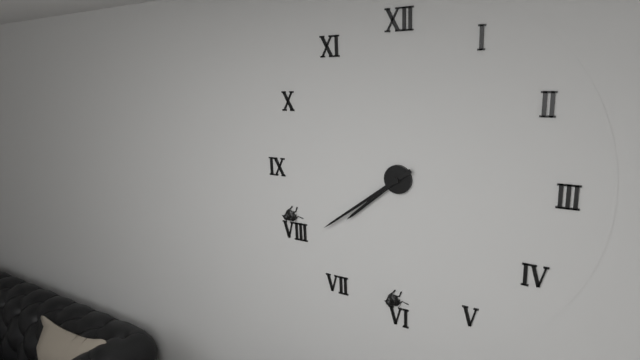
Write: 7:39
